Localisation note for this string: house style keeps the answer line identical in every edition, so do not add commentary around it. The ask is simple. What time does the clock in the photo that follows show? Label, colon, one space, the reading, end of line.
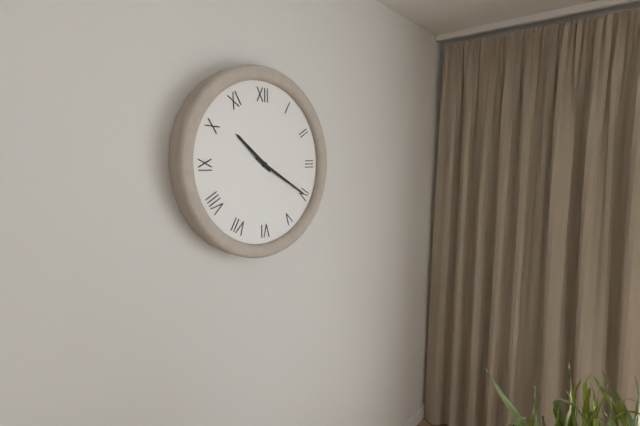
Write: 10:20
